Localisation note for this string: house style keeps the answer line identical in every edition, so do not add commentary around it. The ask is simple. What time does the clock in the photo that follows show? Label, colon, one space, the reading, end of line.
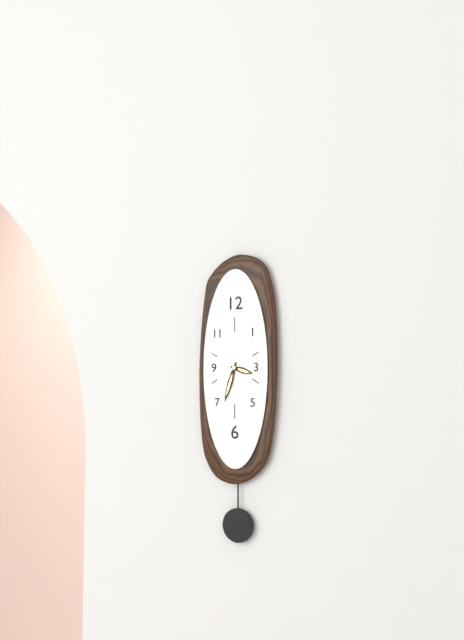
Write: 3:33
